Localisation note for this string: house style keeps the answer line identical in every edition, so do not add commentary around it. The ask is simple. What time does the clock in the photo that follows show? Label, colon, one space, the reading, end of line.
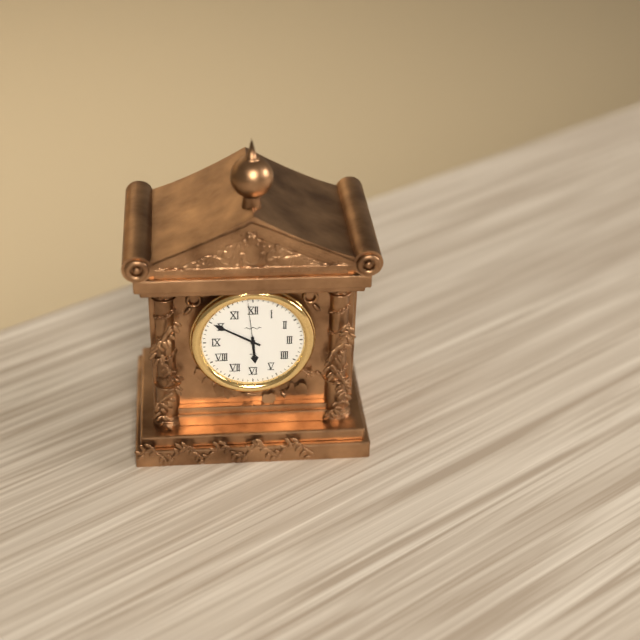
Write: 5:50
